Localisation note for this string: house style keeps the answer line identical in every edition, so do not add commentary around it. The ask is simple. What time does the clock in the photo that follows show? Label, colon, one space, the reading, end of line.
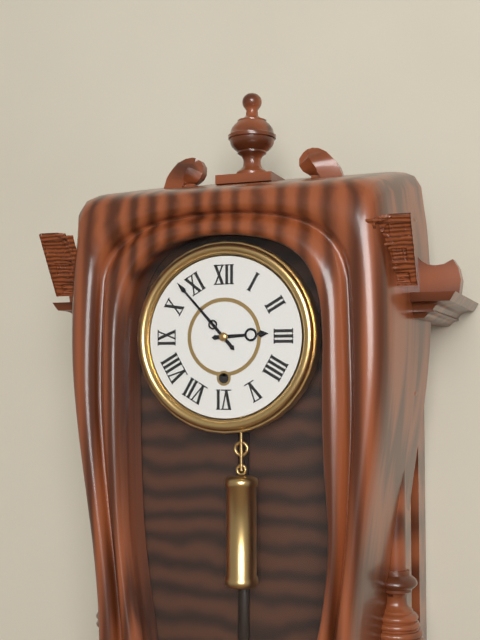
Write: 2:53
